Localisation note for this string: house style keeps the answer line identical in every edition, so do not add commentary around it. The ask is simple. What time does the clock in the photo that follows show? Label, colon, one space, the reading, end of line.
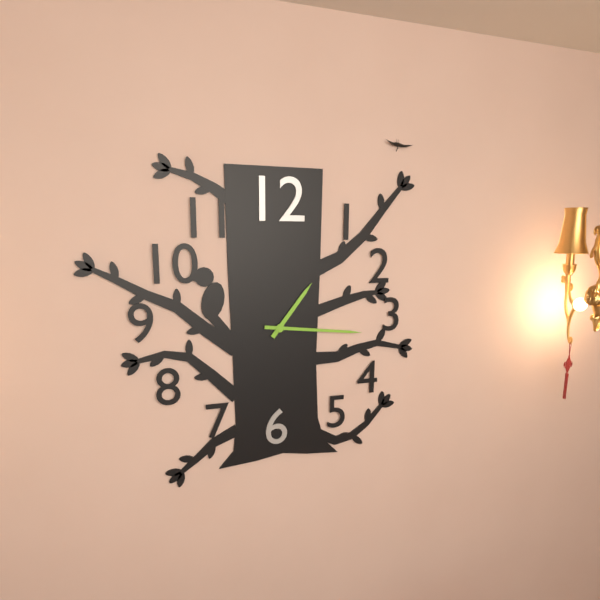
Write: 1:16
